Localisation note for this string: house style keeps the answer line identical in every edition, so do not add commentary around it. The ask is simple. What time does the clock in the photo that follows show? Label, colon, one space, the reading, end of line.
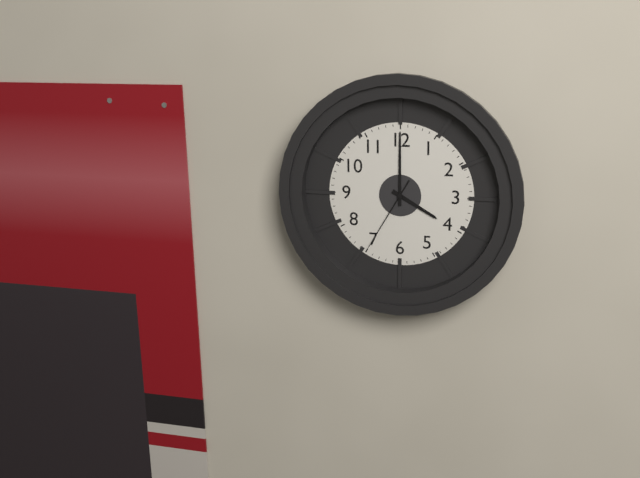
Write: 4:00:35
